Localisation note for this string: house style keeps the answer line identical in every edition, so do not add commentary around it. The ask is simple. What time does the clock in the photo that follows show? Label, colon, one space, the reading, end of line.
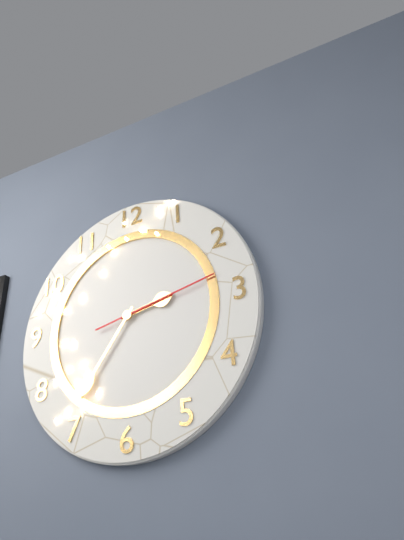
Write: 2:36:13
